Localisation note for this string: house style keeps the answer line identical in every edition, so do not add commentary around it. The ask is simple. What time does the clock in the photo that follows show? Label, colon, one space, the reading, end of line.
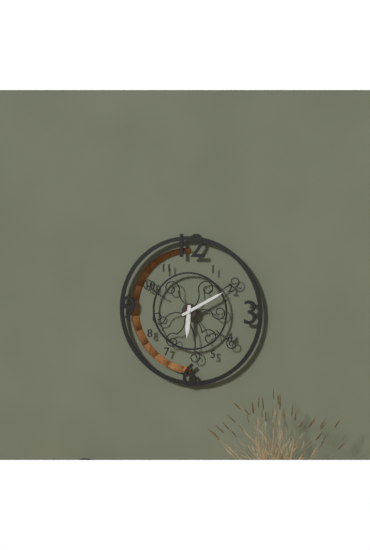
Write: 6:10
